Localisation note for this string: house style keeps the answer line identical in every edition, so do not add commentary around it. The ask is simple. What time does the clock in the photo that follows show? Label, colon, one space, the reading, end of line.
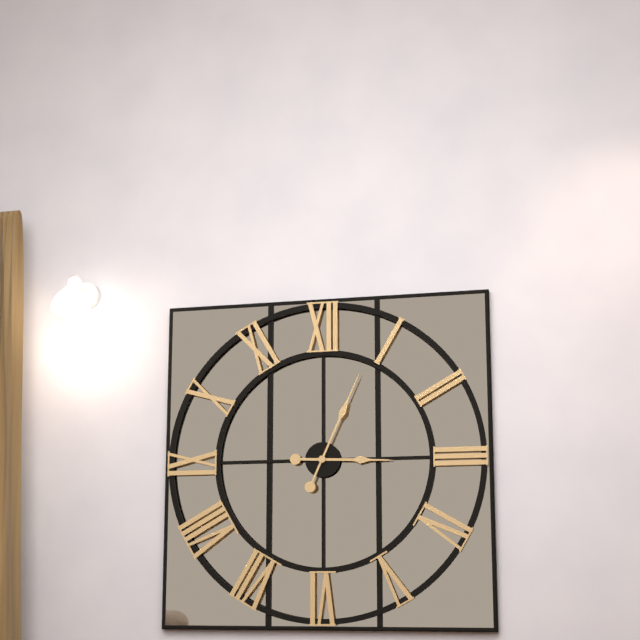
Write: 3:04
